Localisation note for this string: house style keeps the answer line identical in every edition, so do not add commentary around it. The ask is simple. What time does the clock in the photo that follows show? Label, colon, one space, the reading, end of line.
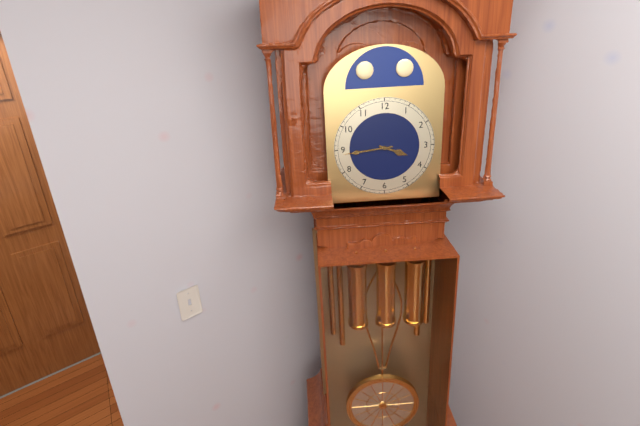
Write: 3:44
